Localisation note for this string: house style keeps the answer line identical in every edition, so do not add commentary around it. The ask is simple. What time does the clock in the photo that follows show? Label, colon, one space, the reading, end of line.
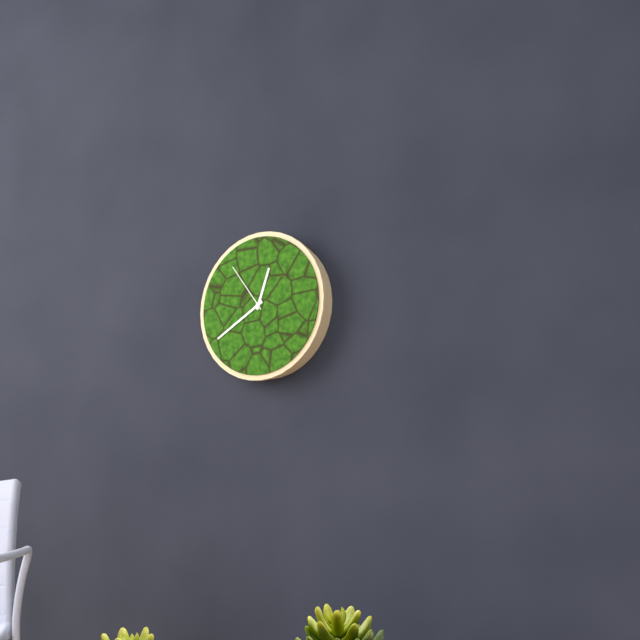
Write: 12:40:54
